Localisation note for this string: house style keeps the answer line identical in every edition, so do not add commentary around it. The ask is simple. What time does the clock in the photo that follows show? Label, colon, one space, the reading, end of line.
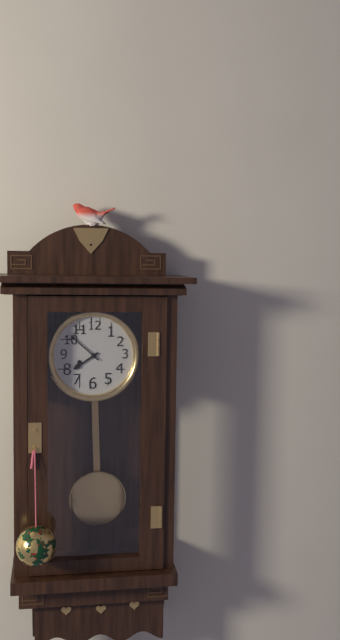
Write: 7:52
